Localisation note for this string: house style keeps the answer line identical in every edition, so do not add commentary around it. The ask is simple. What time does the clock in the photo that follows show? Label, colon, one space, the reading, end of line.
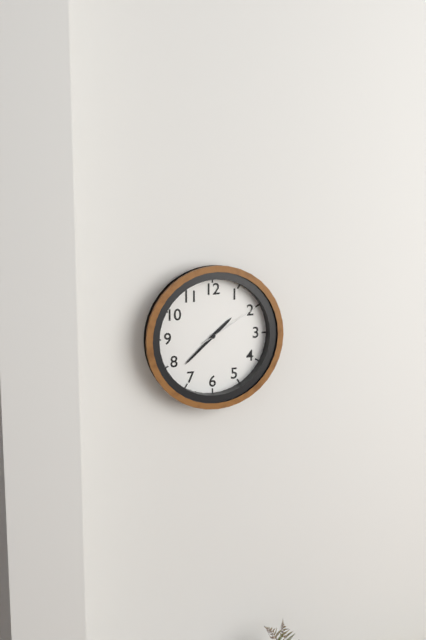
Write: 1:38:10
